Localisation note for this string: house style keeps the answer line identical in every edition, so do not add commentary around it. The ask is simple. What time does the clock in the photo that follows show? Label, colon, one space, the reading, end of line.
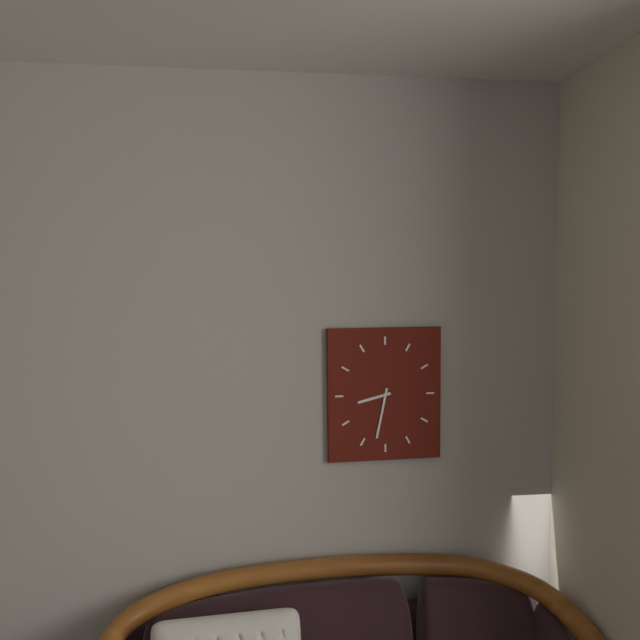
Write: 8:32
